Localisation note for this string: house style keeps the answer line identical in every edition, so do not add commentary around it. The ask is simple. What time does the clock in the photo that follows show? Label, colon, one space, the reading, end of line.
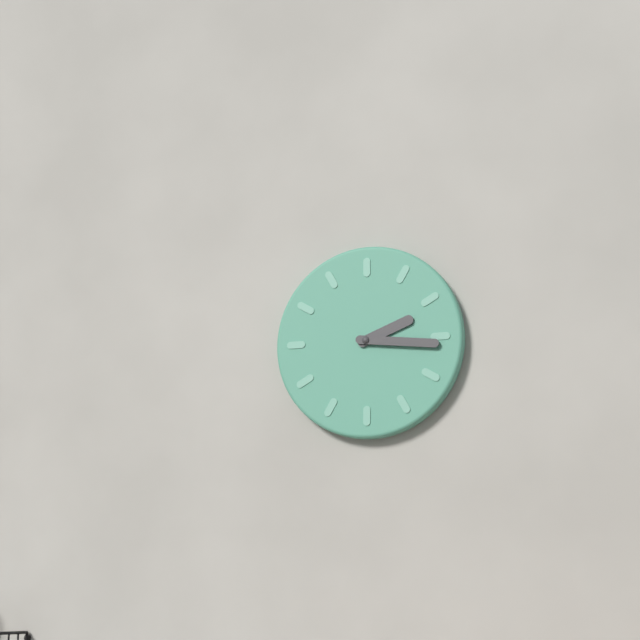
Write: 2:16
